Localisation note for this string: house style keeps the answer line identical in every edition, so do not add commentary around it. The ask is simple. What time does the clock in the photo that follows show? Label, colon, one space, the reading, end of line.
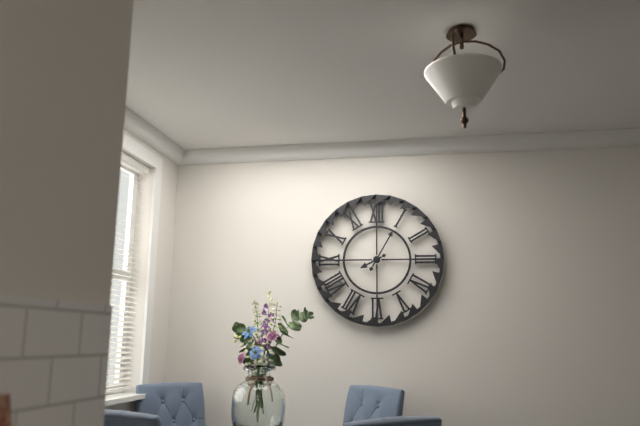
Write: 8:05
